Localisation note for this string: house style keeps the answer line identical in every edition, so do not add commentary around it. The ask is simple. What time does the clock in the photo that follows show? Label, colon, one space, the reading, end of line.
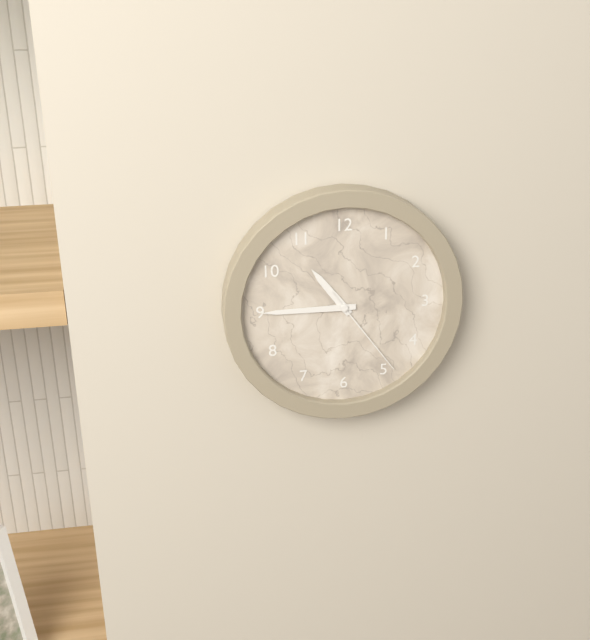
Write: 10:45:24
